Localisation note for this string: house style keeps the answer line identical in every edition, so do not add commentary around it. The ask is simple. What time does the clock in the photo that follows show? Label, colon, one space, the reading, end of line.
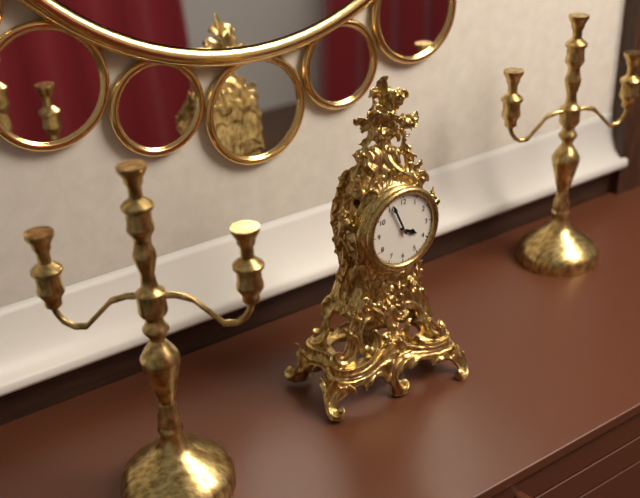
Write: 3:56
